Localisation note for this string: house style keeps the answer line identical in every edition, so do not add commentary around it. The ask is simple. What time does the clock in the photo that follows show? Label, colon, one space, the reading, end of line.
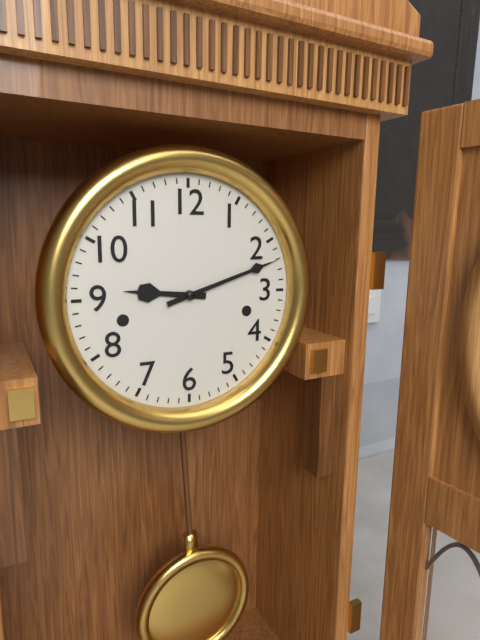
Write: 9:12
